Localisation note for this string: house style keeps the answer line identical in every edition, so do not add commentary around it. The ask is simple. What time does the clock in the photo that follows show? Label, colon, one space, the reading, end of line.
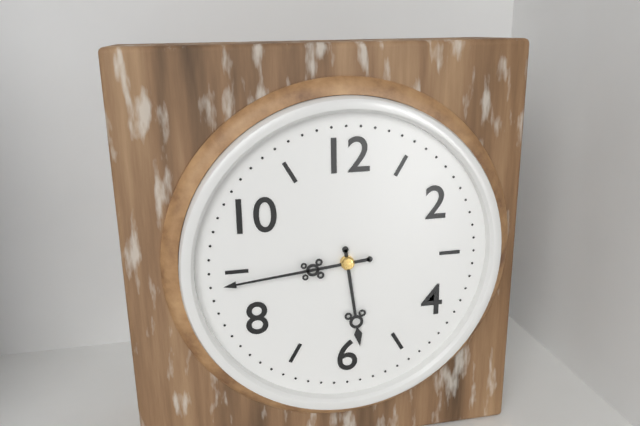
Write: 5:44
